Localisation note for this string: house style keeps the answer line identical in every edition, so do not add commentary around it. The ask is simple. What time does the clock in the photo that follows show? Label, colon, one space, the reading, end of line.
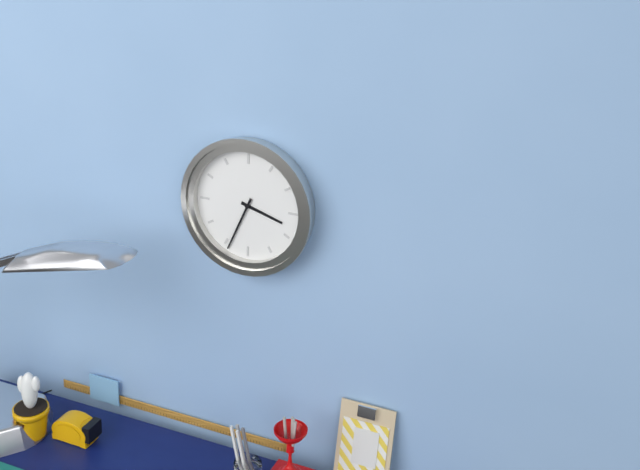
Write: 3:34
